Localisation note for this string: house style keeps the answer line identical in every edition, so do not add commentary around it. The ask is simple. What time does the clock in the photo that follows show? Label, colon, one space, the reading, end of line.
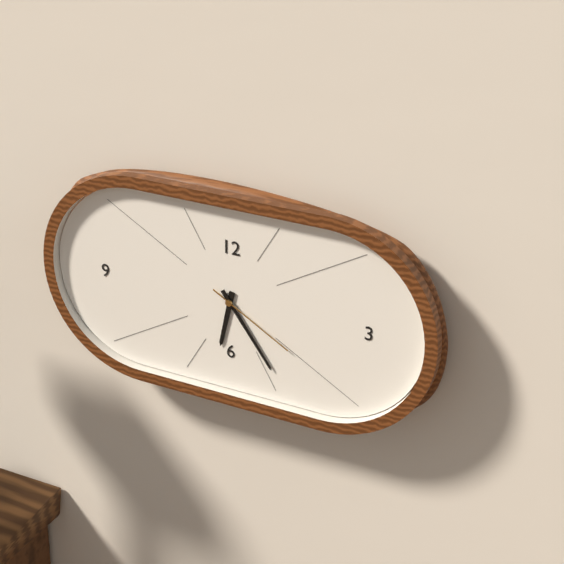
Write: 6:24:20
